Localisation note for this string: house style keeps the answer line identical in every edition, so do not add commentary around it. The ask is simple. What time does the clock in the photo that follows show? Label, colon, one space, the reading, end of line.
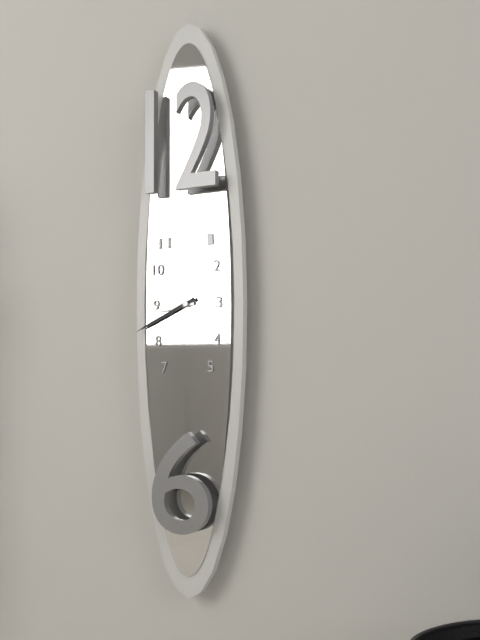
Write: 8:41
